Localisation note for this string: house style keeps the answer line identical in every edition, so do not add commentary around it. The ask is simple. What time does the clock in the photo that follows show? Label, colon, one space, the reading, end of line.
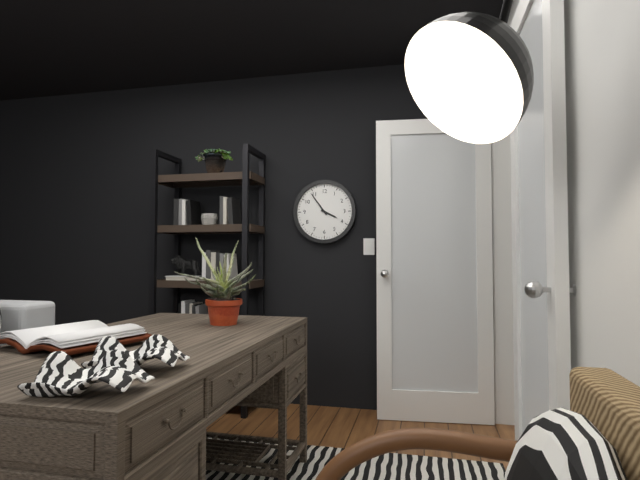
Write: 3:54
